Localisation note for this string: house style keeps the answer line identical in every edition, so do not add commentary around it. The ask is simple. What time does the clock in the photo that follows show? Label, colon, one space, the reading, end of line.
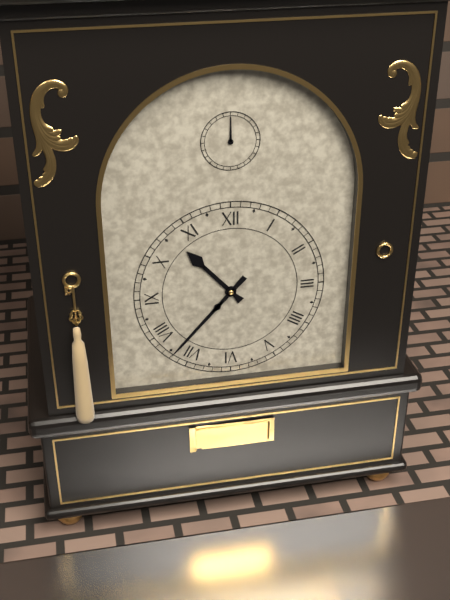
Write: 10:37
